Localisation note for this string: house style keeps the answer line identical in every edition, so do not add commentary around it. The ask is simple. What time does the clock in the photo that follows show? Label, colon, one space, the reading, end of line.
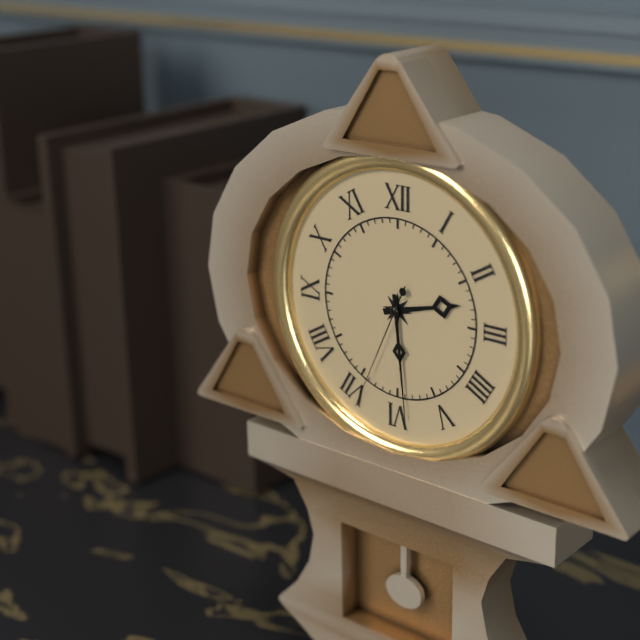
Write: 2:29:34
